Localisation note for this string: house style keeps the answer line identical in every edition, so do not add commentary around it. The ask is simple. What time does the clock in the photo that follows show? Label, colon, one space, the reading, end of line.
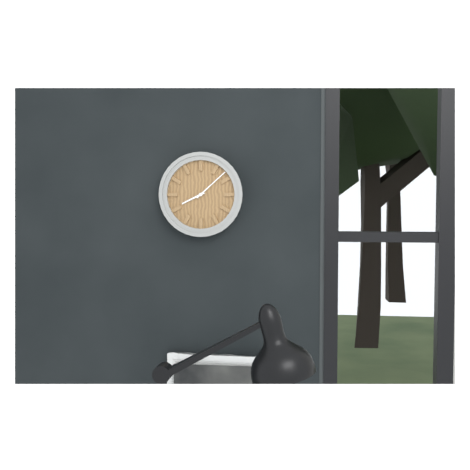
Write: 8:08
